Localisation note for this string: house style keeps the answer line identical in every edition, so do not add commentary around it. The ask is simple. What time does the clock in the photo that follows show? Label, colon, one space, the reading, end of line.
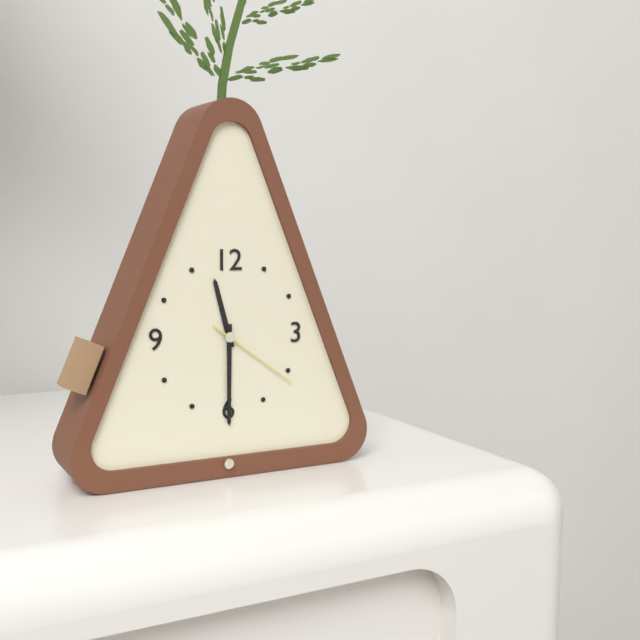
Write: 11:30:21
